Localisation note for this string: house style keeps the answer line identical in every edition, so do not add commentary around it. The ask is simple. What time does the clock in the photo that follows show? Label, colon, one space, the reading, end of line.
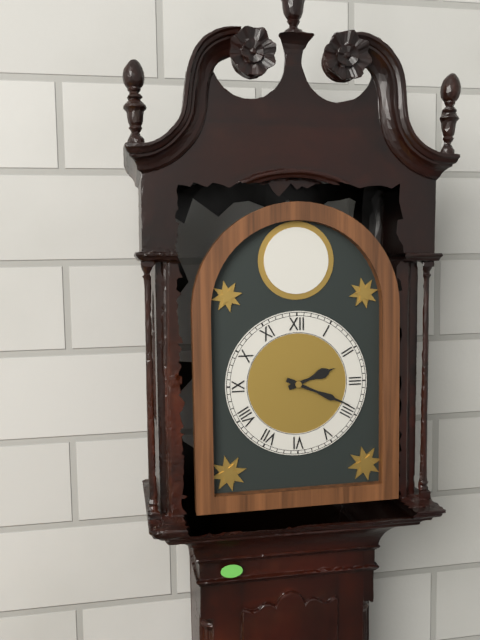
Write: 2:19
